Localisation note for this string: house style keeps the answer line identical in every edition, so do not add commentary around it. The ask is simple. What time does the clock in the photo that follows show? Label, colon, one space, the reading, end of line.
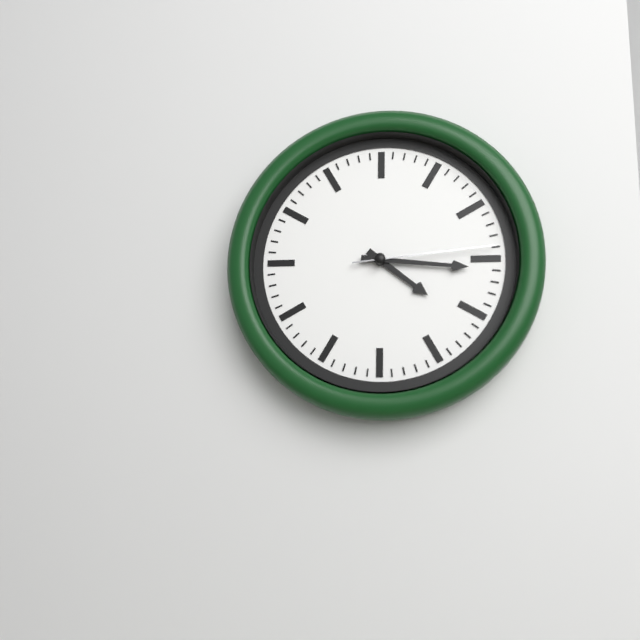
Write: 4:16:14
